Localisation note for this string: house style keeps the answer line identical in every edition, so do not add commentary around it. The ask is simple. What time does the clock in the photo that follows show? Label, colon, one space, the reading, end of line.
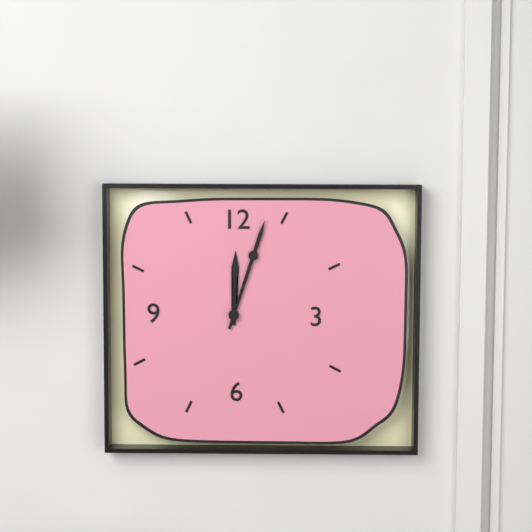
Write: 12:03
